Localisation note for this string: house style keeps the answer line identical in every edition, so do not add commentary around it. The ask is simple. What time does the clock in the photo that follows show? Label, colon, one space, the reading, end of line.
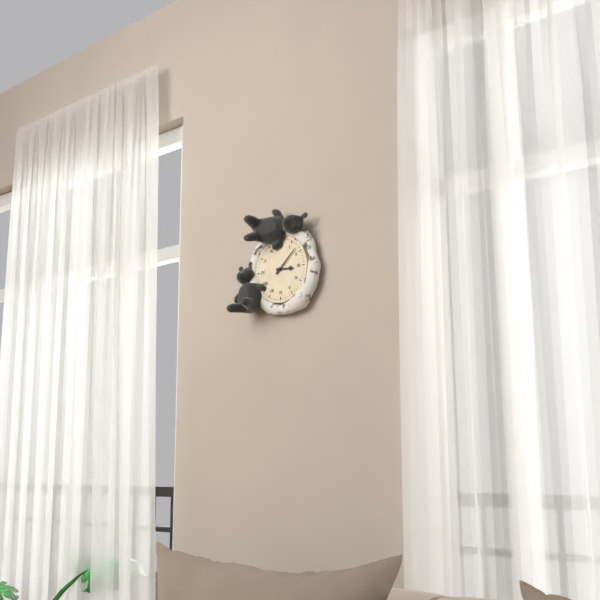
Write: 3:08
